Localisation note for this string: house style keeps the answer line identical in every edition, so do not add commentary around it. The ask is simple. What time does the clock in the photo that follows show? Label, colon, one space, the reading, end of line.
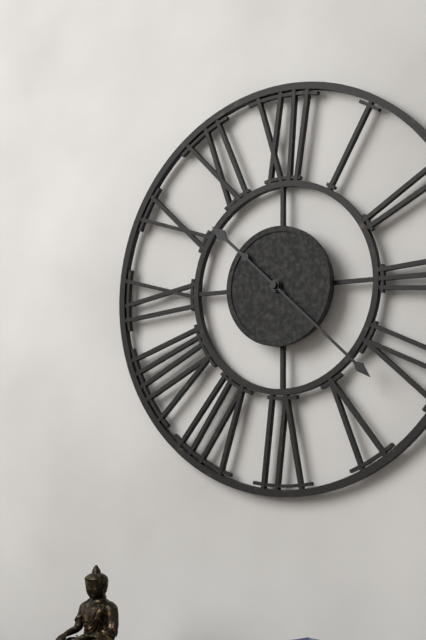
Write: 10:22
